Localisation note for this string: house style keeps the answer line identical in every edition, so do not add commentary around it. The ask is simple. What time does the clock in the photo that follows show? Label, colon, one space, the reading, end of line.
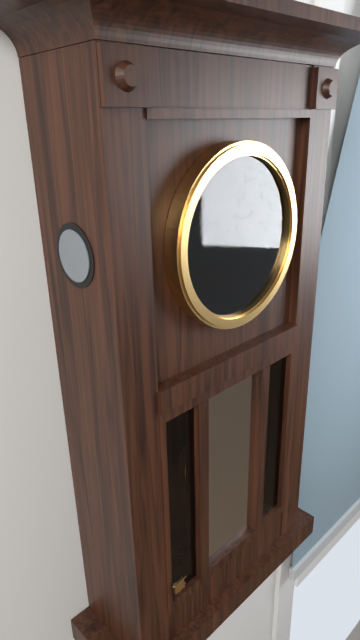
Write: 8:28
